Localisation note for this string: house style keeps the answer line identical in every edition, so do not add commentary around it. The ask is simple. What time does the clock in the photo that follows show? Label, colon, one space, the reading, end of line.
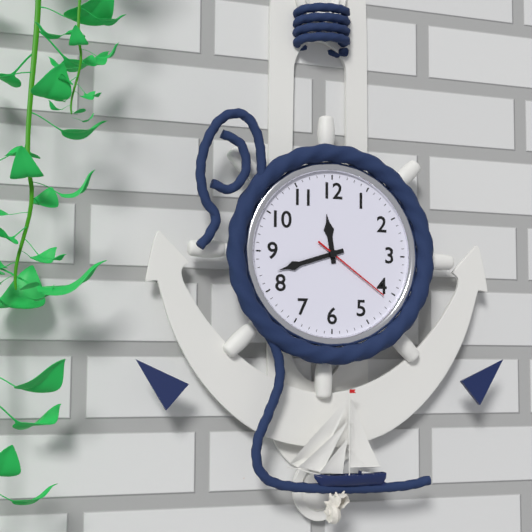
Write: 11:42:21
